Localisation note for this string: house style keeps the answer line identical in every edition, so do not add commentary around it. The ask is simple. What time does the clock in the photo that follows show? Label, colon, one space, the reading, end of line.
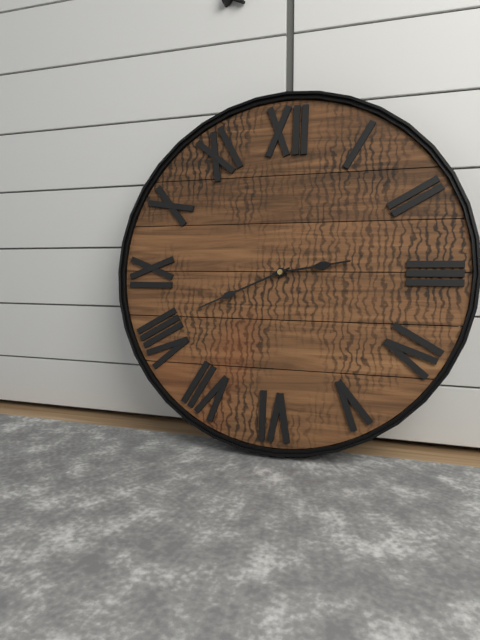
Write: 2:41
